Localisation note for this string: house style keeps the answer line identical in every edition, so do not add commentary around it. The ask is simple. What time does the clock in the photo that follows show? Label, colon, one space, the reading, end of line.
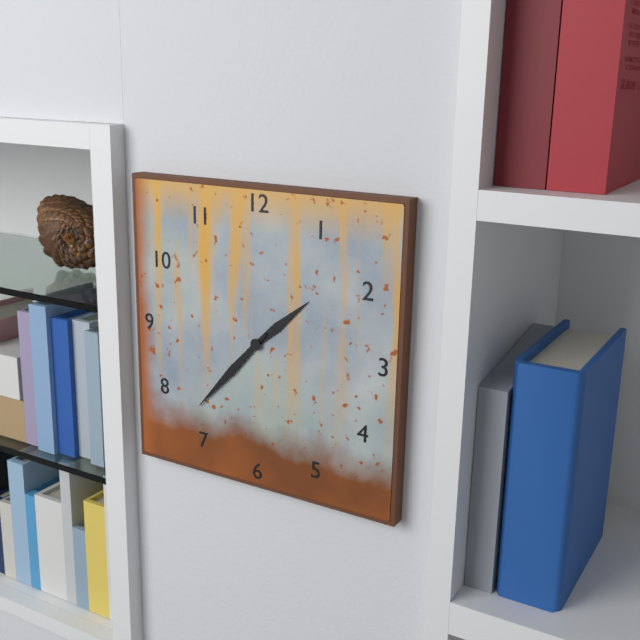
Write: 1:37
